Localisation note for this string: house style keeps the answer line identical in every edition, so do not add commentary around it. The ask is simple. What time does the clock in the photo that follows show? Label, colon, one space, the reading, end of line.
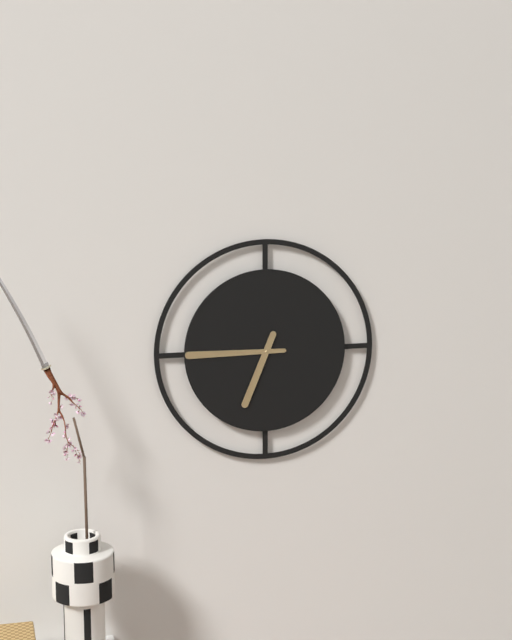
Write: 6:45
